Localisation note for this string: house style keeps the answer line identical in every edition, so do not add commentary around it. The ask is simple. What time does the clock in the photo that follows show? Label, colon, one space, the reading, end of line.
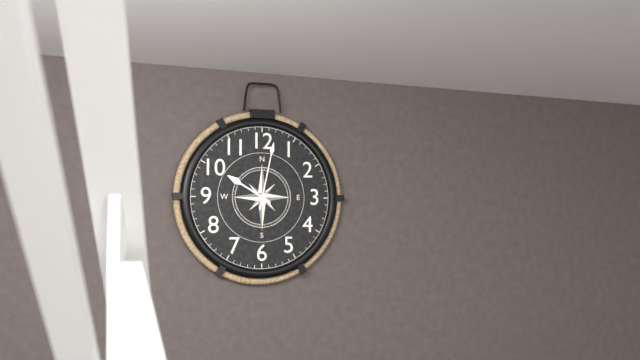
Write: 10:02
